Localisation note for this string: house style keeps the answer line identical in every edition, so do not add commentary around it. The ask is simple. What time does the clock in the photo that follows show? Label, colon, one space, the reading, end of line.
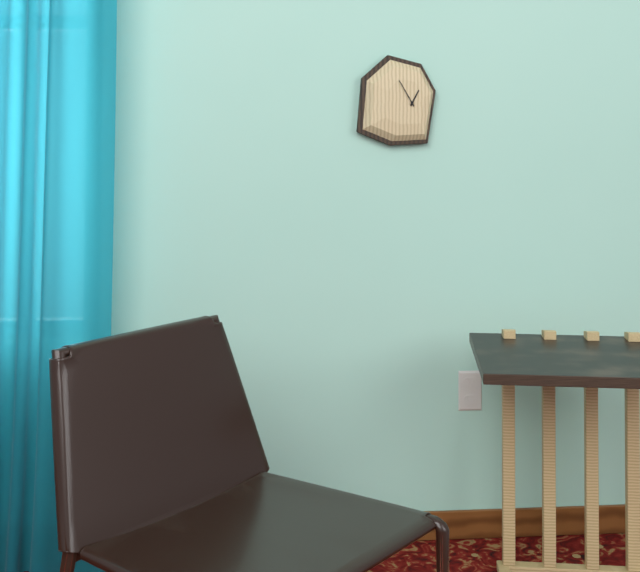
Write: 12:55
